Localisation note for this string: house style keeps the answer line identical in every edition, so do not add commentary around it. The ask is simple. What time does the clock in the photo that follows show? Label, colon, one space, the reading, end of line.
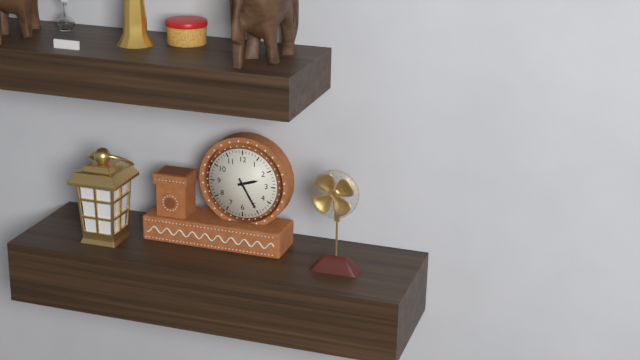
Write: 2:25
